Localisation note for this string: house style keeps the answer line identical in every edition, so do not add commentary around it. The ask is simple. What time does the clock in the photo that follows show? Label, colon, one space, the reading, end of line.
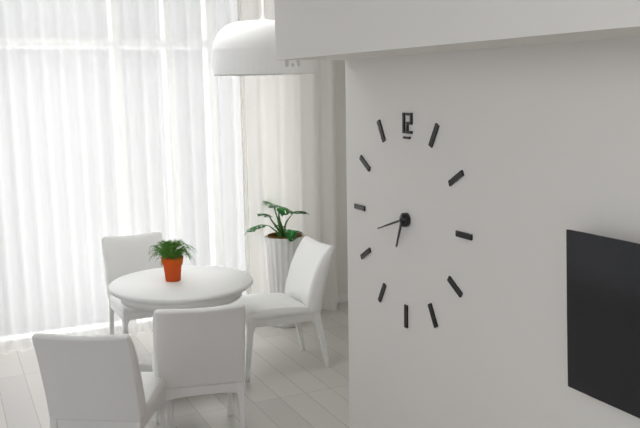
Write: 6:42
